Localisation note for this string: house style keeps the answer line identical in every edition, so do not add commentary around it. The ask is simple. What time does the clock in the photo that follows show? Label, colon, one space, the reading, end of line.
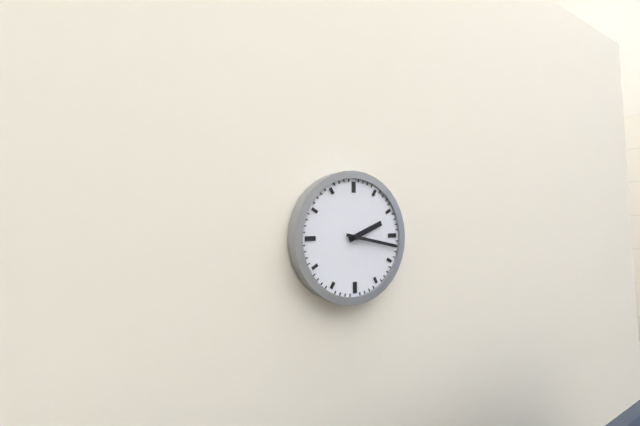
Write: 2:17
